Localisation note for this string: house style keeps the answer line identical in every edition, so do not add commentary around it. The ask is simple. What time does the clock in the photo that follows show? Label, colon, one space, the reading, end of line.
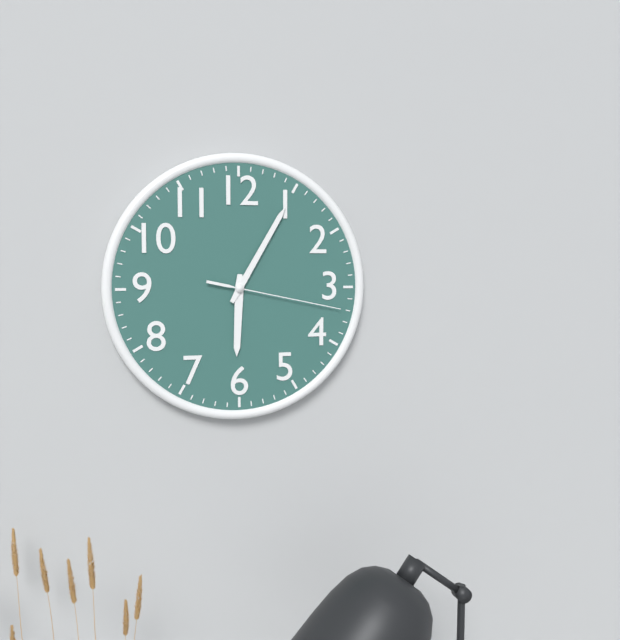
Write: 6:05:17
